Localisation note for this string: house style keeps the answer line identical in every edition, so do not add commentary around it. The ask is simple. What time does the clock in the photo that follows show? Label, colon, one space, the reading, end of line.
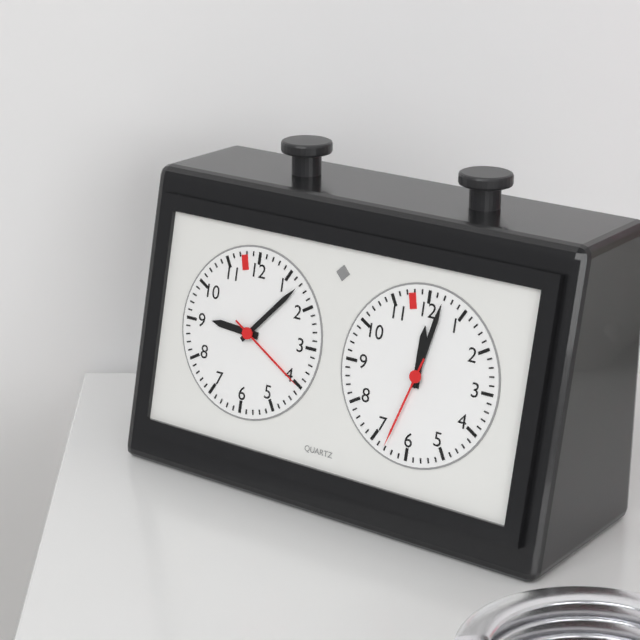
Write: 9:07:20
